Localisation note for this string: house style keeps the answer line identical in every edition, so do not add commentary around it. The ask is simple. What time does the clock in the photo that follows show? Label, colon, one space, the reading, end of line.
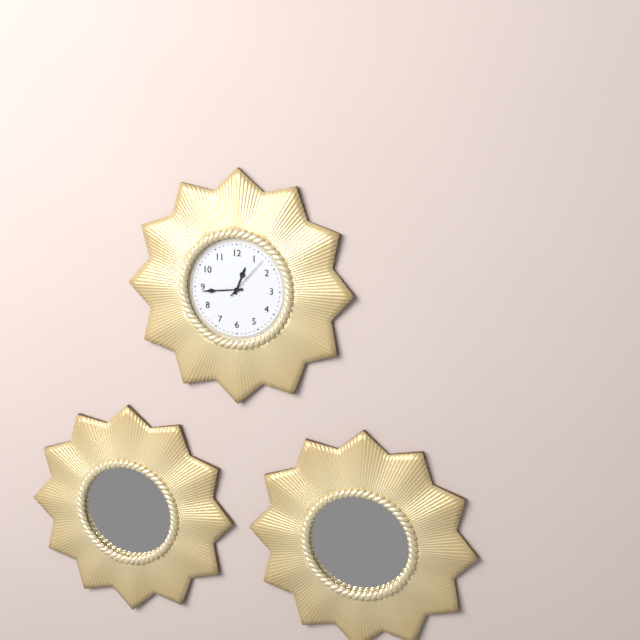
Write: 12:44:07
